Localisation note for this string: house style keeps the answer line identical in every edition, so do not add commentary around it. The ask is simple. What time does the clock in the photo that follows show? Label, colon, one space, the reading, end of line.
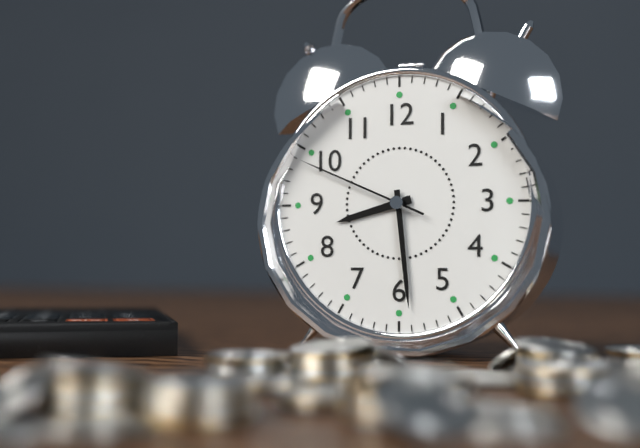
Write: 8:29:49
